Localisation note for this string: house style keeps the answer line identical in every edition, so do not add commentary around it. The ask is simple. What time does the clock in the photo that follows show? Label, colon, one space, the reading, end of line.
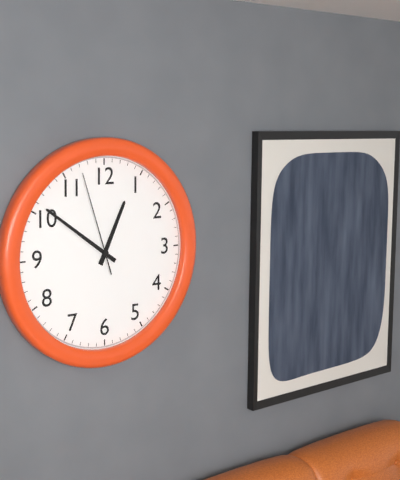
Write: 12:51:57
